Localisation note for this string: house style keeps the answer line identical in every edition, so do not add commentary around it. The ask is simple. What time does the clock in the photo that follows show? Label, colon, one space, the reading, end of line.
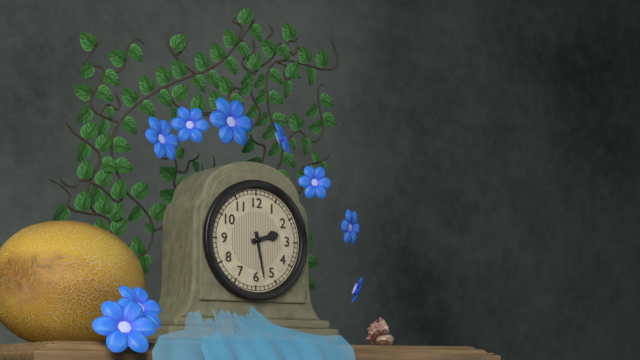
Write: 2:28
